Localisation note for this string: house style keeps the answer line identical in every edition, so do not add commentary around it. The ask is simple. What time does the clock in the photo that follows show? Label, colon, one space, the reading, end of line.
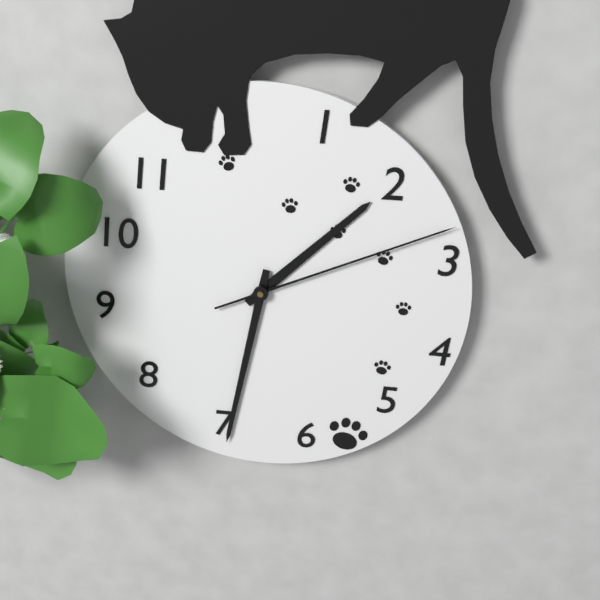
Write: 1:32:11
